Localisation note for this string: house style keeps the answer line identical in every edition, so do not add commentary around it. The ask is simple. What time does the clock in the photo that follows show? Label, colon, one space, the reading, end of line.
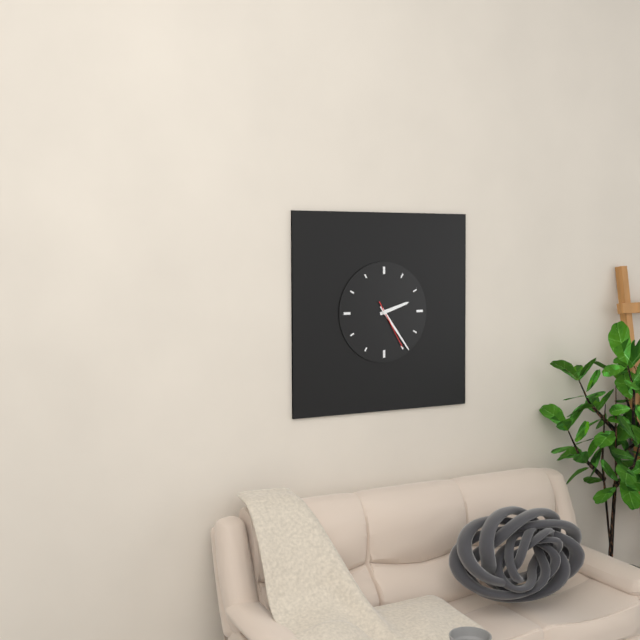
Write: 2:24
